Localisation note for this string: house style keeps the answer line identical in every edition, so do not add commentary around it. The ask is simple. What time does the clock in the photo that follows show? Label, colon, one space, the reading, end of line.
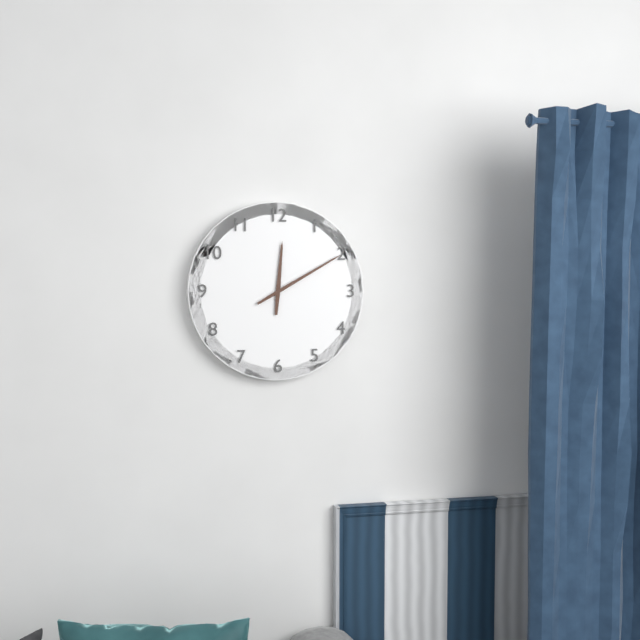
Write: 12:10
